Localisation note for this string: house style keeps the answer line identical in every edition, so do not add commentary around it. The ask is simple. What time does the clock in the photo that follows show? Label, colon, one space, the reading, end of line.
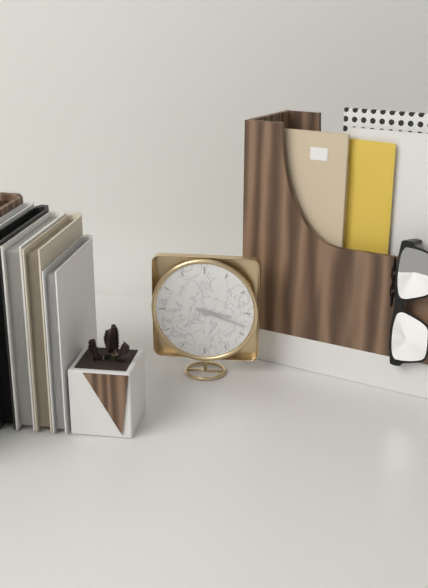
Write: 3:18
